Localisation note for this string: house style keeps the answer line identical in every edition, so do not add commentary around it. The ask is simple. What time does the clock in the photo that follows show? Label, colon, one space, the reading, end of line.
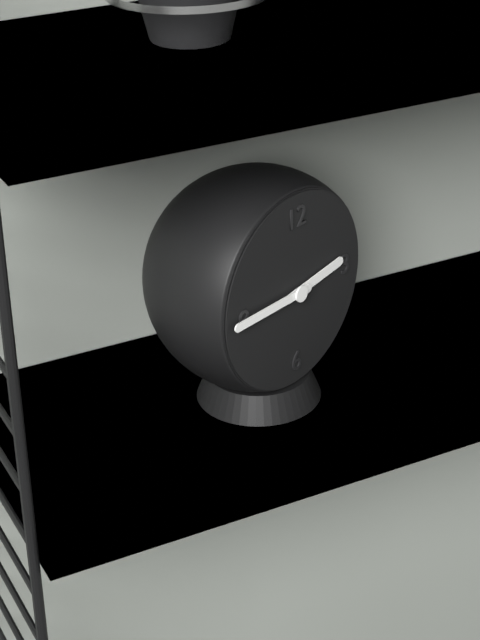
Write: 2:45
